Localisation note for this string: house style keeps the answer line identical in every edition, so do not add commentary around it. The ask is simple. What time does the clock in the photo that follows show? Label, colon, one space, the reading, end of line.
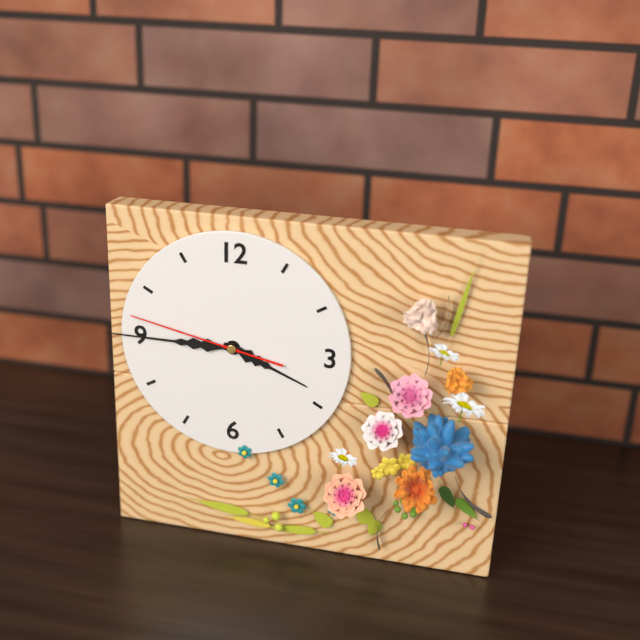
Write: 3:45:47
